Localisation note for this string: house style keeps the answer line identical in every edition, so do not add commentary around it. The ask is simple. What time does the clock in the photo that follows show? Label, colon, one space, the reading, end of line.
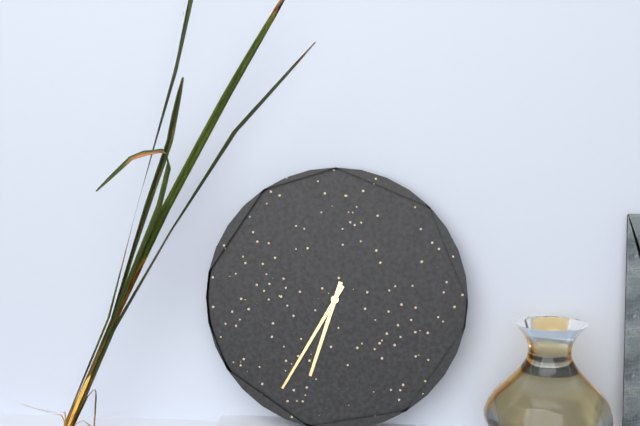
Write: 6:35
